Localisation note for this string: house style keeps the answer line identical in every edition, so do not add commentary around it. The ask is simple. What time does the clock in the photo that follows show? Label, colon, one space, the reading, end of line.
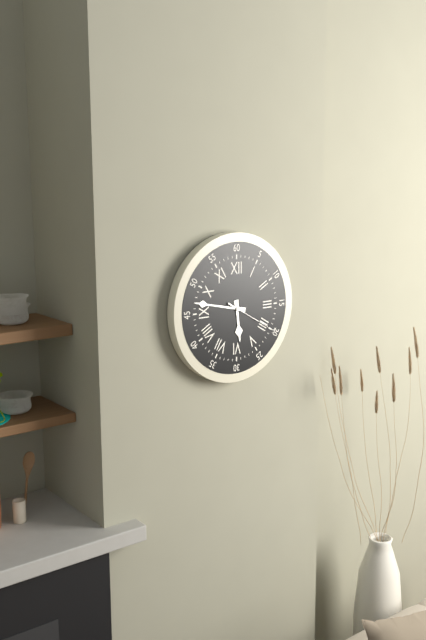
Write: 5:47:20
